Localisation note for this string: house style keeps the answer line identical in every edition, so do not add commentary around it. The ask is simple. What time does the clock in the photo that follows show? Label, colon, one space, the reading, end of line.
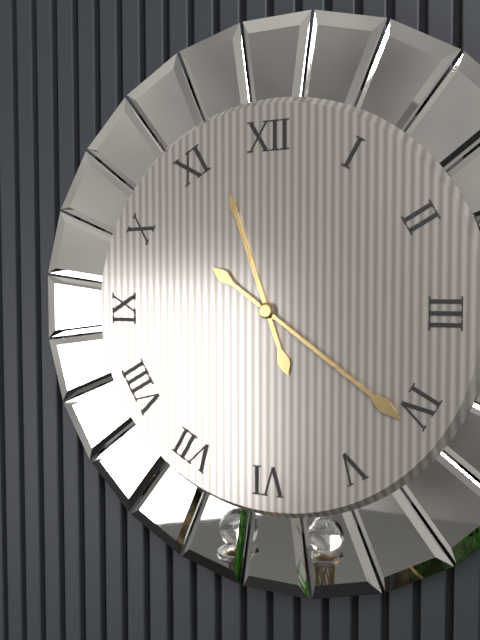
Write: 11:21
